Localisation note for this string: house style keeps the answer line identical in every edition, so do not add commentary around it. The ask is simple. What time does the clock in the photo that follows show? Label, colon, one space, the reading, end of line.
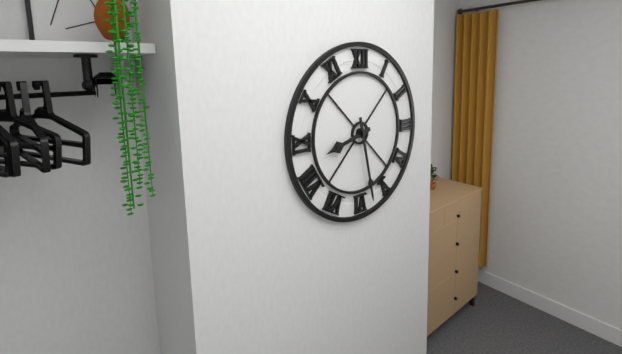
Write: 8:28
